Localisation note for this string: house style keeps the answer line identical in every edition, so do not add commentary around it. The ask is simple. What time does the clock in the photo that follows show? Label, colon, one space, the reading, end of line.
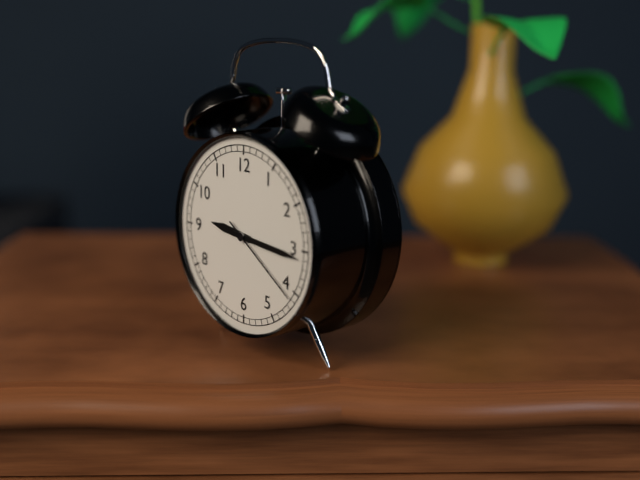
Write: 9:16:21
